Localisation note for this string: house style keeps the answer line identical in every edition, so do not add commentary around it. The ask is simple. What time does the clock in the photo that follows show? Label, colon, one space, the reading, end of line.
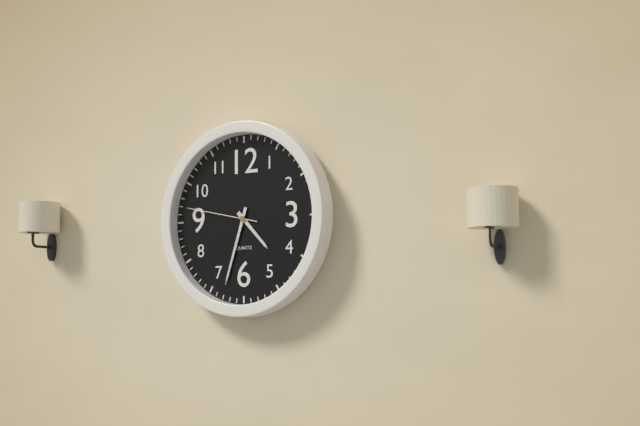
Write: 4:33:47
